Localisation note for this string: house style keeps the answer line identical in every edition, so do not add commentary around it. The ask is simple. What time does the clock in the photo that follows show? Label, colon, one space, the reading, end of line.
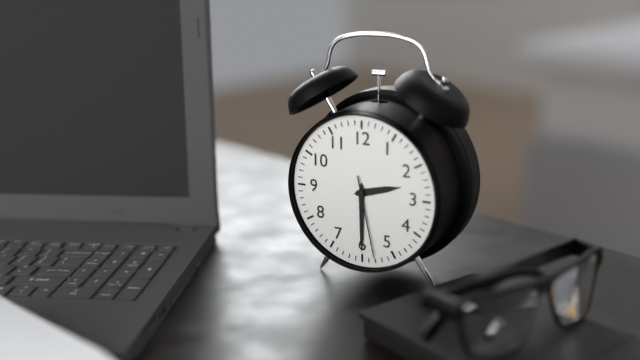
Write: 2:30:28
